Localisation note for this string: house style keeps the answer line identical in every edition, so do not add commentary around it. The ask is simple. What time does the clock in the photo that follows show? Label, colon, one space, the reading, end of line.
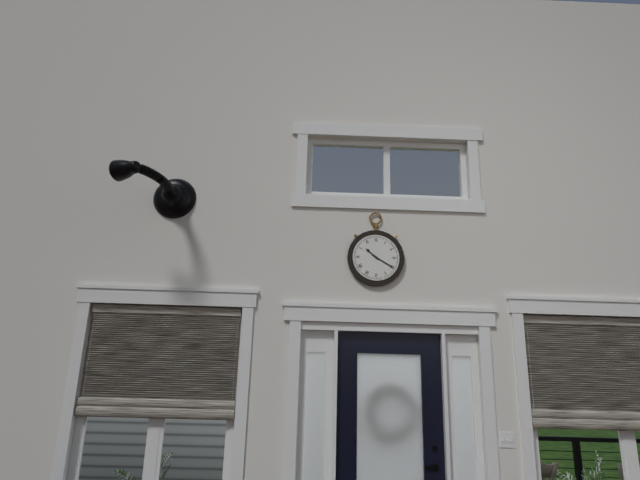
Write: 10:20
